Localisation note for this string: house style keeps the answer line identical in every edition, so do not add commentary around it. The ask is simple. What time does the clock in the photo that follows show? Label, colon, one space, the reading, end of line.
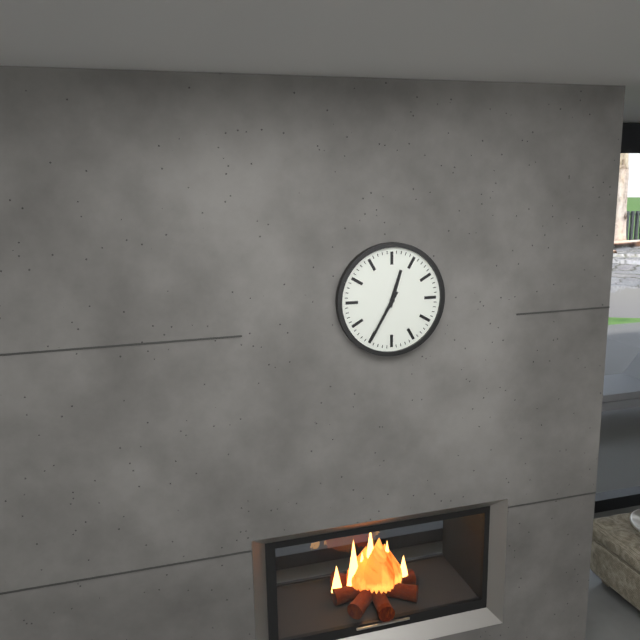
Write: 12:35
